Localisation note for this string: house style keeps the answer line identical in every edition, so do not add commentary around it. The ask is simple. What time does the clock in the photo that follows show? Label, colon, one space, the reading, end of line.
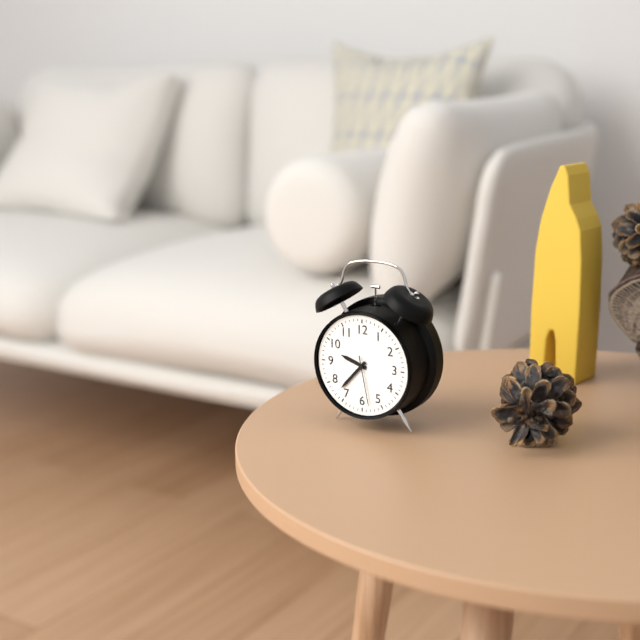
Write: 9:37
